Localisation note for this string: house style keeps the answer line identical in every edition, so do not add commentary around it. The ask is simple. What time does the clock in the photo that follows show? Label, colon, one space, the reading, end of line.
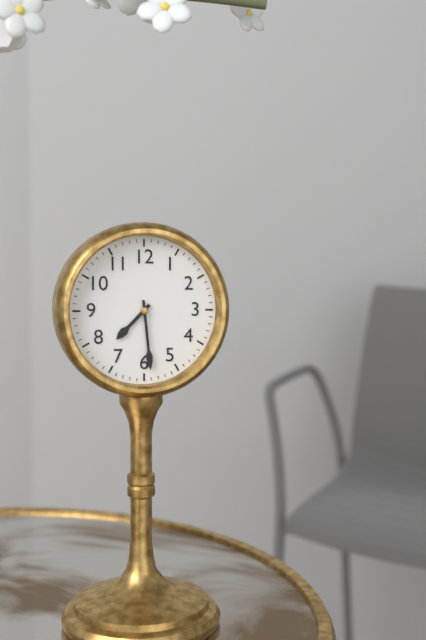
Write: 7:29
